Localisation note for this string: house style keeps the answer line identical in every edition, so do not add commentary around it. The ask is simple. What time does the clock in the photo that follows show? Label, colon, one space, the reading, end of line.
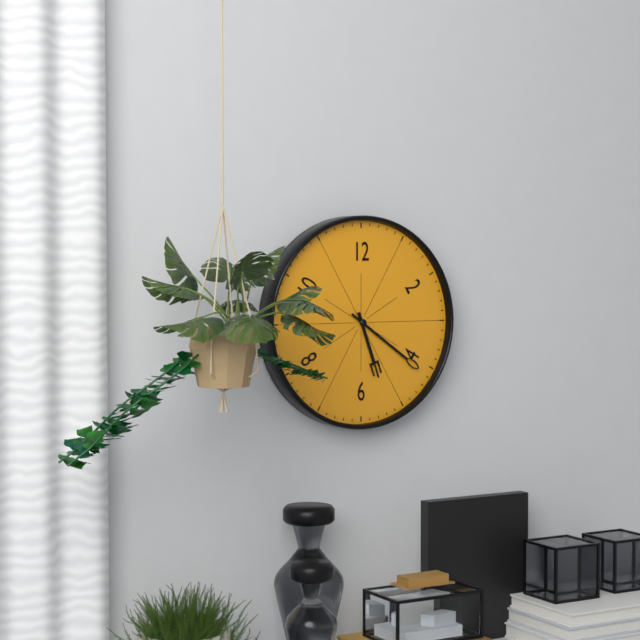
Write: 5:21
